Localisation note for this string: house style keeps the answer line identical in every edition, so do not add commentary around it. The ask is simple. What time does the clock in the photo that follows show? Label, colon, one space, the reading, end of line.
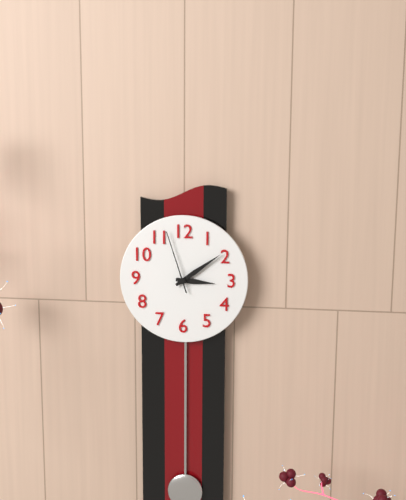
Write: 3:09:57
